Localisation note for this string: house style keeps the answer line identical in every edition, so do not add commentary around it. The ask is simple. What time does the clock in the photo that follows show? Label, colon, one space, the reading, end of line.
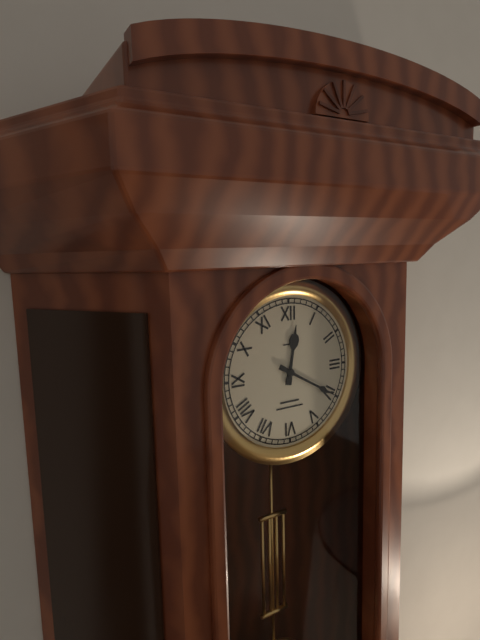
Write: 12:20
